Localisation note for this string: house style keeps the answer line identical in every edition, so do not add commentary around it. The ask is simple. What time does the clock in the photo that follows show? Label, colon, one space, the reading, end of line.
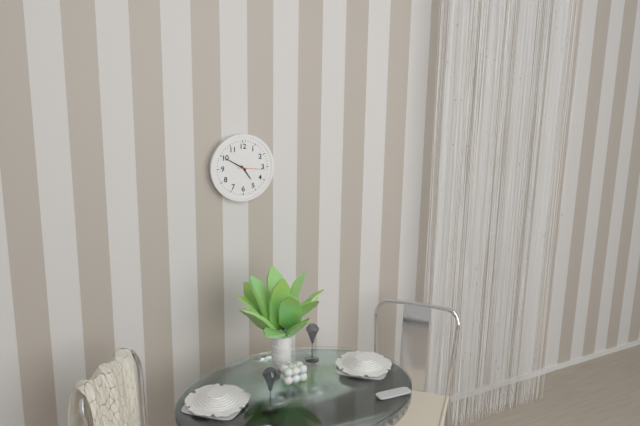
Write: 4:50
